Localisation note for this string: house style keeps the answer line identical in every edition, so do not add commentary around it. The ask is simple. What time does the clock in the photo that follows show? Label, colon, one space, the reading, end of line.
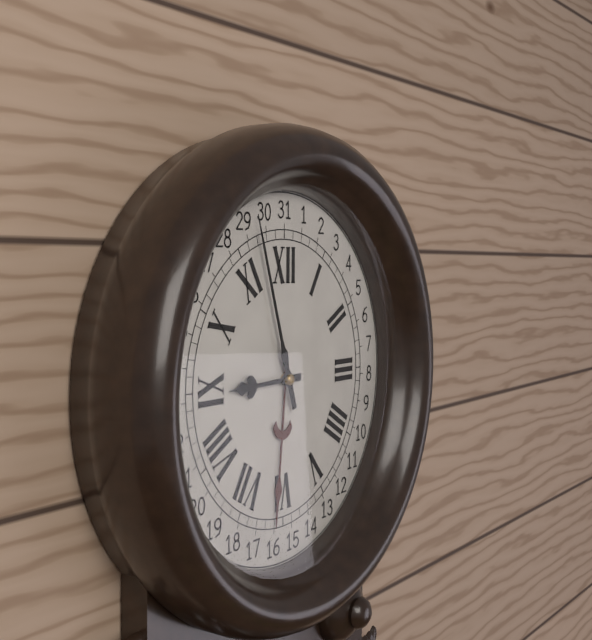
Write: 8:57
